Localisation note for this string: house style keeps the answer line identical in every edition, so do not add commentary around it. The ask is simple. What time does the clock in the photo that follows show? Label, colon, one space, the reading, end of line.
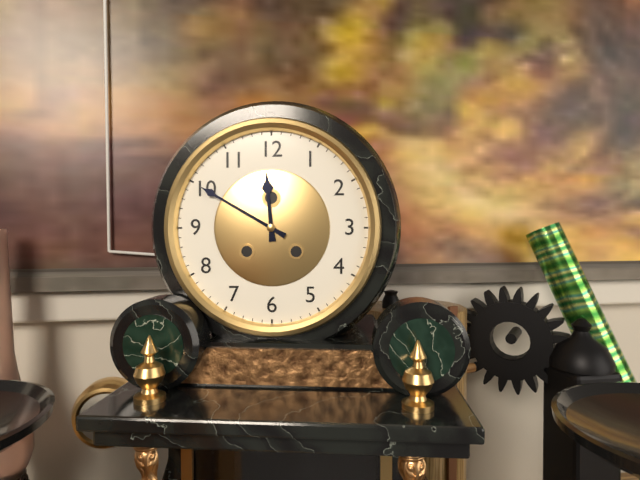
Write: 11:50
